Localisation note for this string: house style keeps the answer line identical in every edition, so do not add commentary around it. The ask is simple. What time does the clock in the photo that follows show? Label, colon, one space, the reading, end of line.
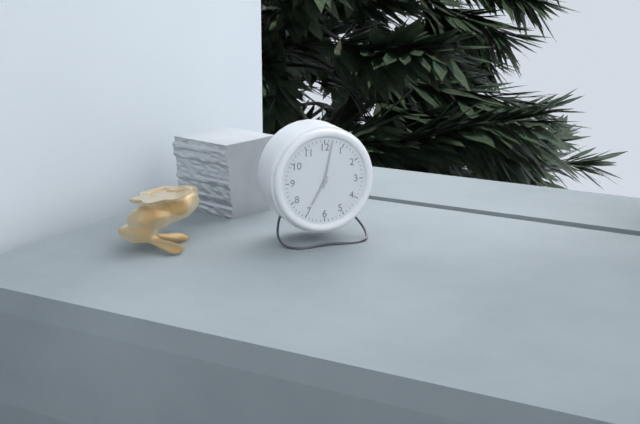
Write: 7:02
